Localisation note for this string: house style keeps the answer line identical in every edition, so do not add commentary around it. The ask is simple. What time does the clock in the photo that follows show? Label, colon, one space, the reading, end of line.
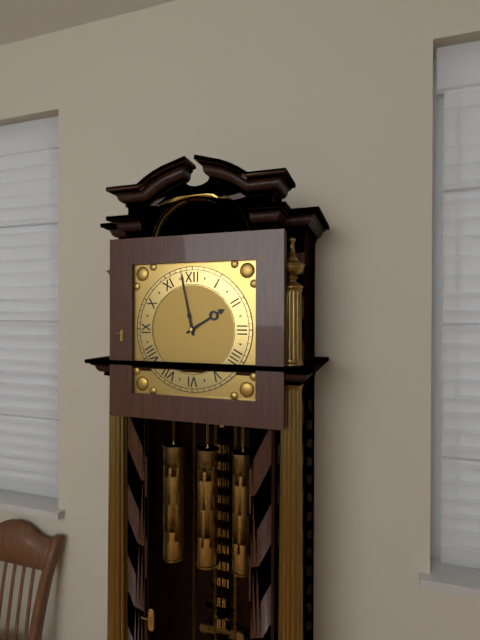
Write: 1:58
